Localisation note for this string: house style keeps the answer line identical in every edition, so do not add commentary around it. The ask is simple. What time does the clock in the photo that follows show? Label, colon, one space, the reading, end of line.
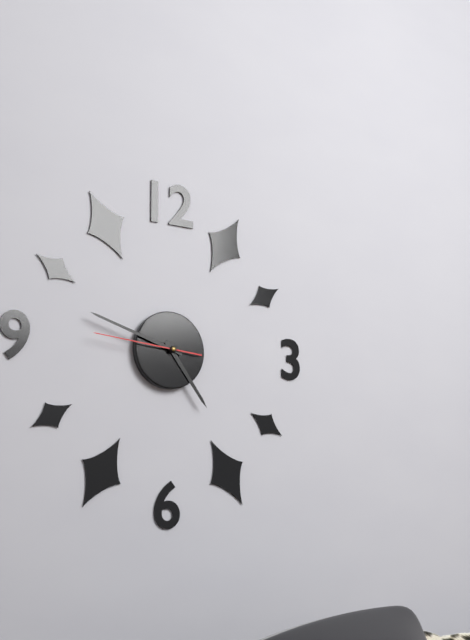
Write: 4:48:46
